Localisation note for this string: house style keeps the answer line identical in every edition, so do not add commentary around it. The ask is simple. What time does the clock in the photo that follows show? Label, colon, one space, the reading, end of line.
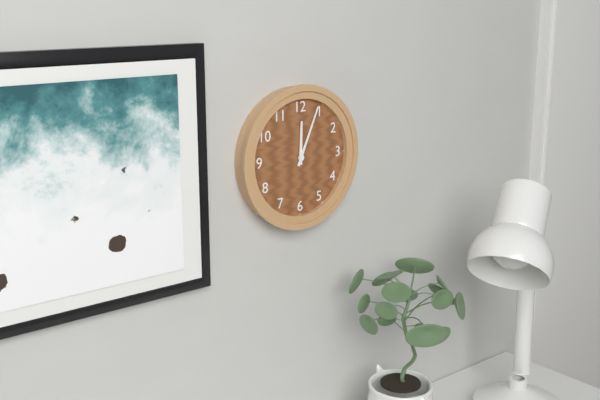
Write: 12:04
